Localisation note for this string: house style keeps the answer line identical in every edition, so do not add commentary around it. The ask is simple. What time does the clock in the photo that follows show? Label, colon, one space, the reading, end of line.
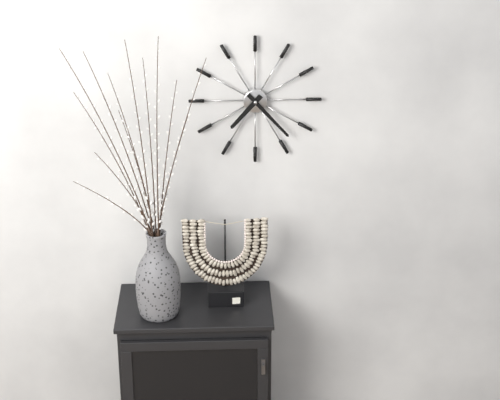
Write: 7:23
